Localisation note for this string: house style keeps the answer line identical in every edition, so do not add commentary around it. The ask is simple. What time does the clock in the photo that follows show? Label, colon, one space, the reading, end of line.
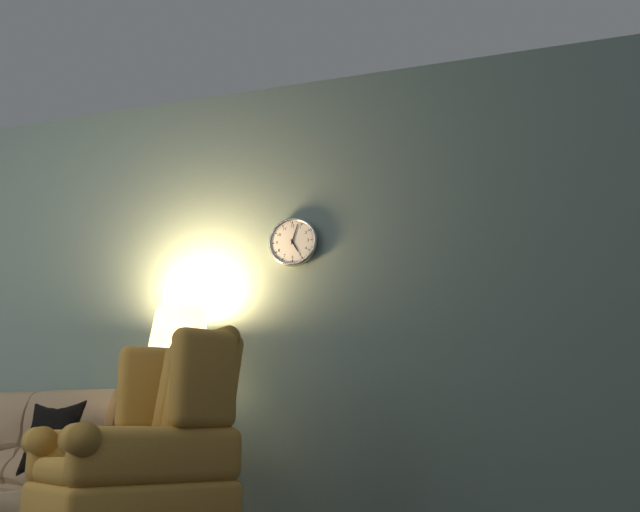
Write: 5:03
